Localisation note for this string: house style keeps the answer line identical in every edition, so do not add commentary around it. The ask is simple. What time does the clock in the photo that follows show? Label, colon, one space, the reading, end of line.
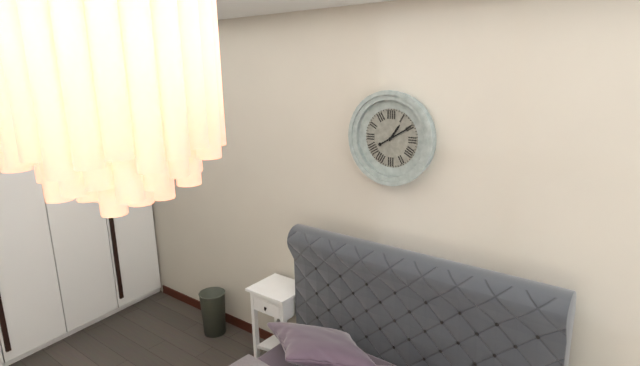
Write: 1:10
